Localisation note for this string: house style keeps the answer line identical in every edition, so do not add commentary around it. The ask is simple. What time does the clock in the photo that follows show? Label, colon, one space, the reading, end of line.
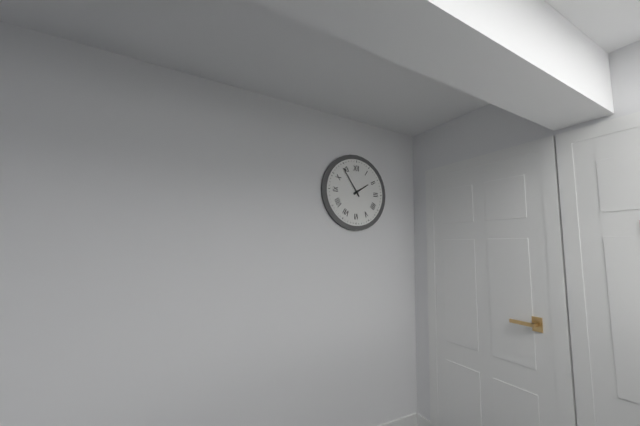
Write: 1:54
